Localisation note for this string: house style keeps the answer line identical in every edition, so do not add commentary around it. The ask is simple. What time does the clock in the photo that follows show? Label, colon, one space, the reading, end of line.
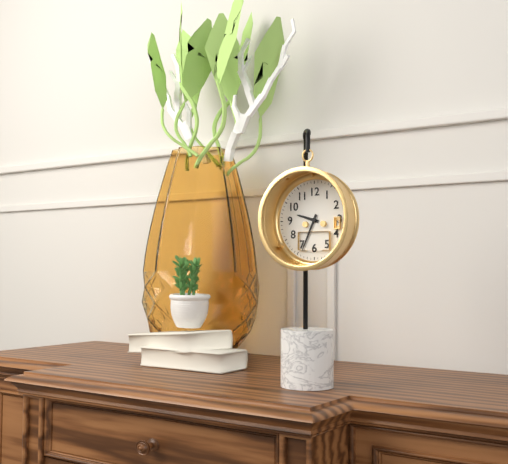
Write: 9:34
